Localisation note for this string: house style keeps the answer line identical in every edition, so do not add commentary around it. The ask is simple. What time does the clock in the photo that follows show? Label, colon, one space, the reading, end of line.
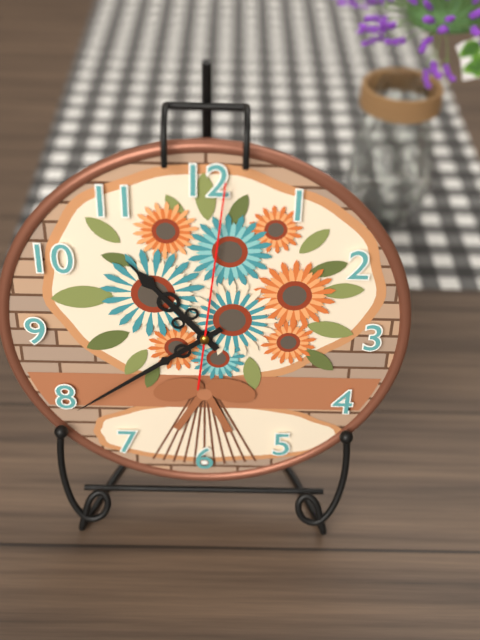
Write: 10:39:01
